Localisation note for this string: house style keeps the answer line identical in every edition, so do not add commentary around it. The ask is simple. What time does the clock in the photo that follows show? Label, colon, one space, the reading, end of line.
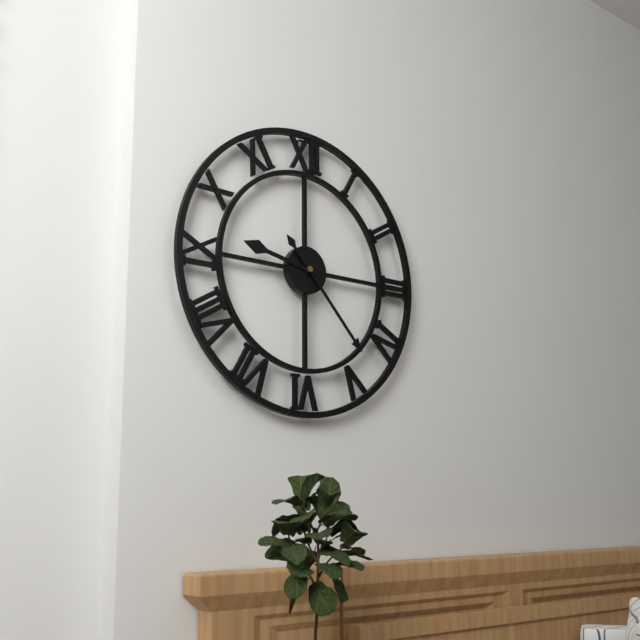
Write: 9:23
